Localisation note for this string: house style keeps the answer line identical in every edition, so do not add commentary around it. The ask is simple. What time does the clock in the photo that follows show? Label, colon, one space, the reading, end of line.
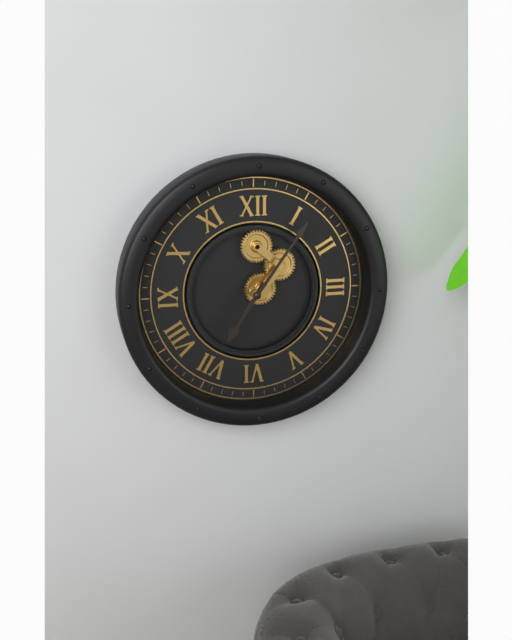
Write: 7:06
